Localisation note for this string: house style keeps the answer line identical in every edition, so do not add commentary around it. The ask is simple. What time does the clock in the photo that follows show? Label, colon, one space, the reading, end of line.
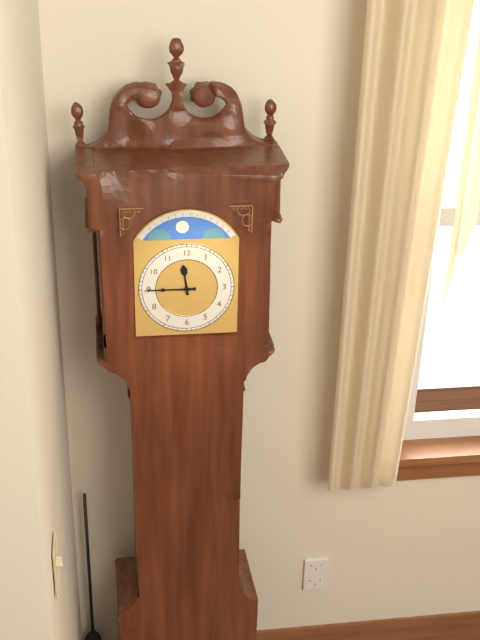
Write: 11:45
